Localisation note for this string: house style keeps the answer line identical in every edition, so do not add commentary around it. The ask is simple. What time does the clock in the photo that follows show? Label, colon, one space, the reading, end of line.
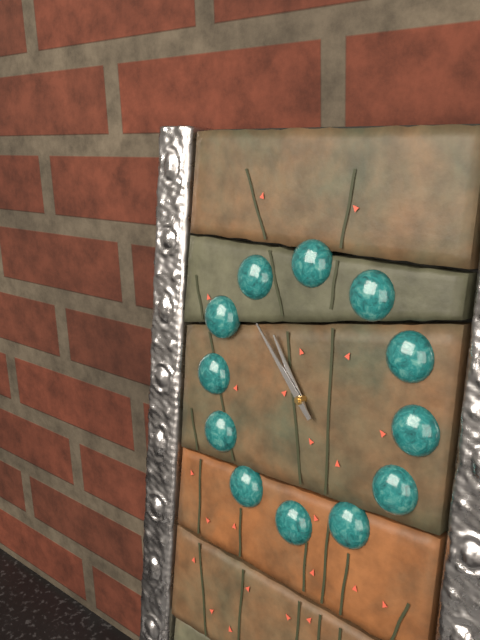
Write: 10:53
